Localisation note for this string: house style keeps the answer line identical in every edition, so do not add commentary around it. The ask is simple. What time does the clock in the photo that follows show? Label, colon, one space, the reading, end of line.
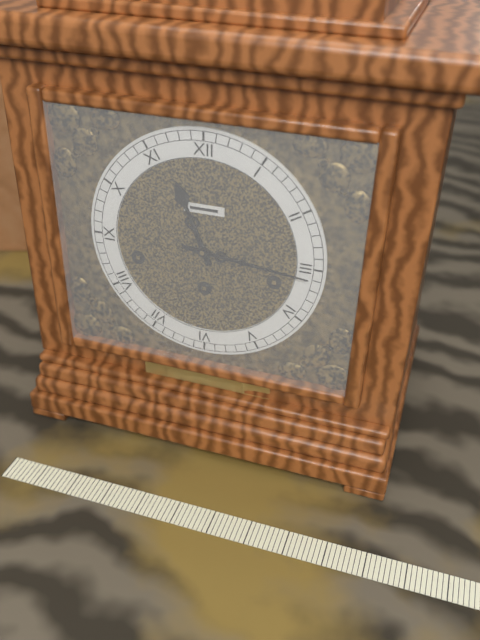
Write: 11:16
